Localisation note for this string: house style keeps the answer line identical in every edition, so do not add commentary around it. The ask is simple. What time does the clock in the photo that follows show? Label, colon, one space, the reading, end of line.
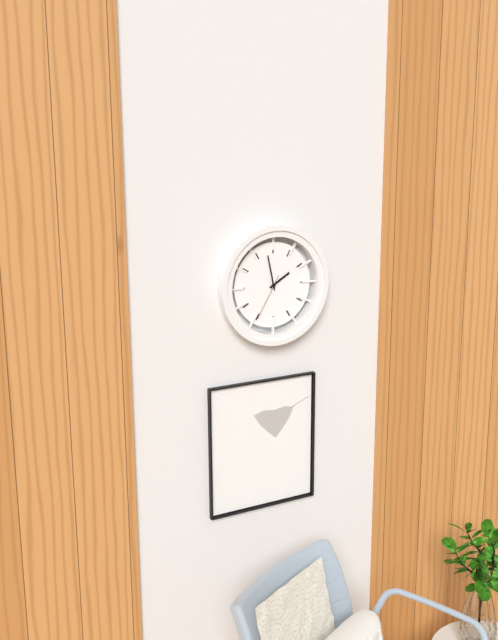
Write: 1:58
